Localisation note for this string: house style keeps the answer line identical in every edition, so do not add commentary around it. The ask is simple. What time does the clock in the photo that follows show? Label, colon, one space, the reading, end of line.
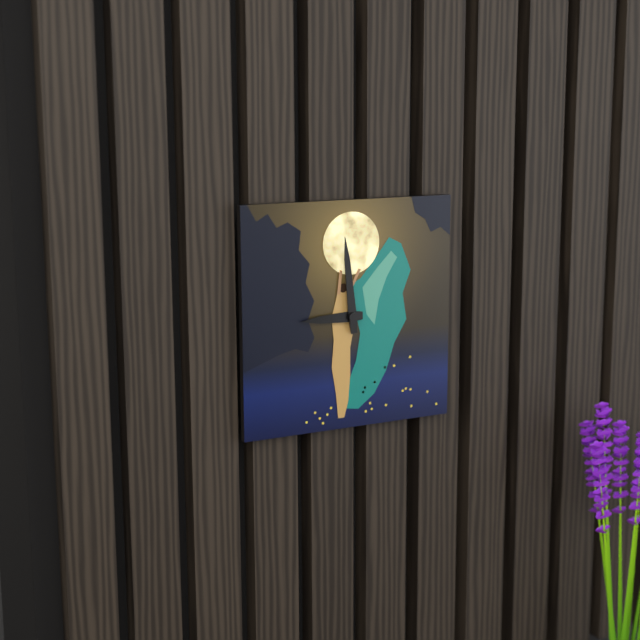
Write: 8:59
